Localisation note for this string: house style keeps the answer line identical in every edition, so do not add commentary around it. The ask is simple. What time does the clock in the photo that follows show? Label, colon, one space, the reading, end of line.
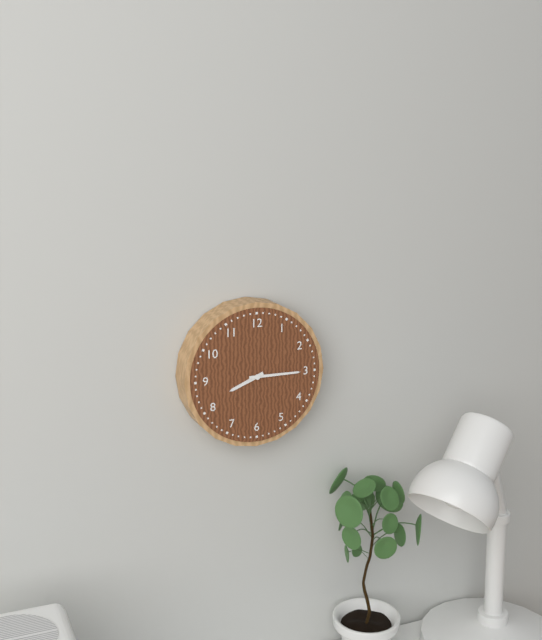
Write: 8:15
